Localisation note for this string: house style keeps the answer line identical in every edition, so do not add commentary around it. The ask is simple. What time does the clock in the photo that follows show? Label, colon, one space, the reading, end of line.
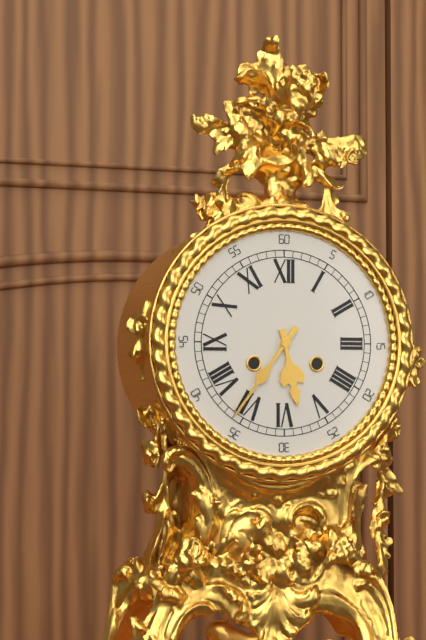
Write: 5:36
